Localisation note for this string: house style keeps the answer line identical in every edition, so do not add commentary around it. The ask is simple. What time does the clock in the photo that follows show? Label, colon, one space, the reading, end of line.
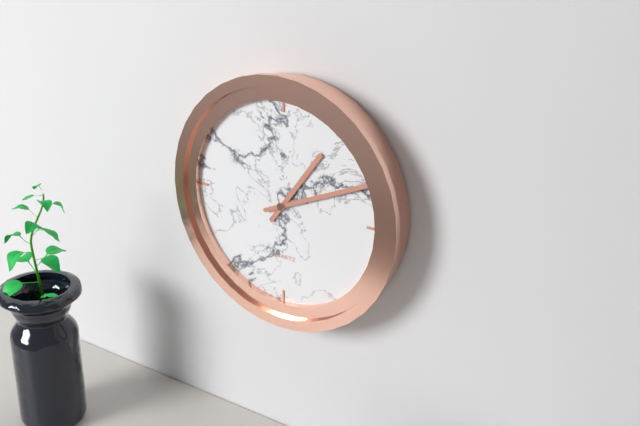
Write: 1:11
